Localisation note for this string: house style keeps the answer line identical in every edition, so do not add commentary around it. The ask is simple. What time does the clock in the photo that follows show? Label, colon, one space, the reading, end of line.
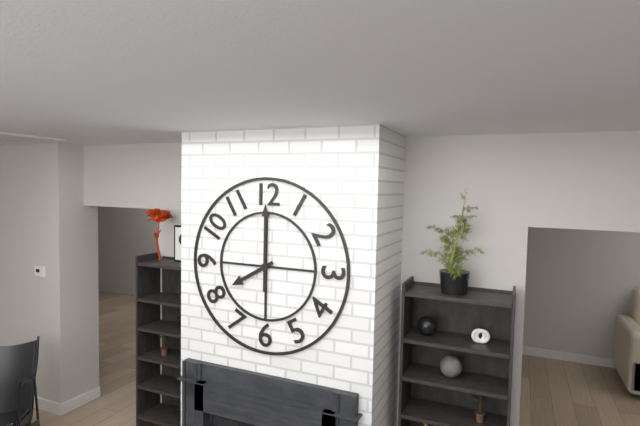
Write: 8:00
